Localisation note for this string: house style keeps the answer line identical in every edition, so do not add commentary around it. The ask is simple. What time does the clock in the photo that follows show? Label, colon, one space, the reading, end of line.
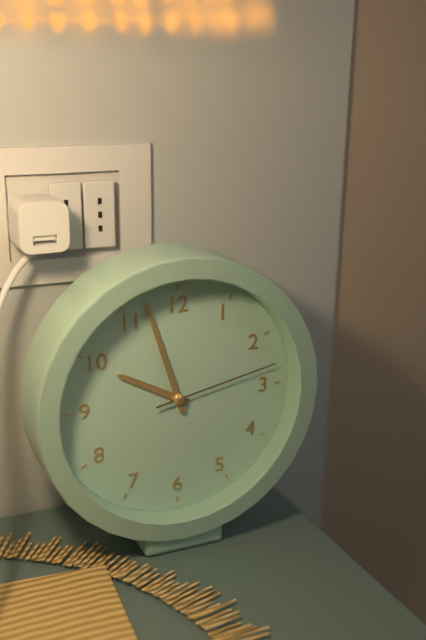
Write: 9:57:13
